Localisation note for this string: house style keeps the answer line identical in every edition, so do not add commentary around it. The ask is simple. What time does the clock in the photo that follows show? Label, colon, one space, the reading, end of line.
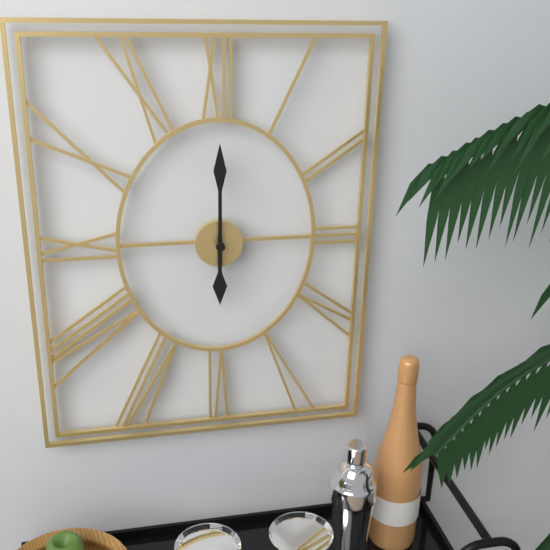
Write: 6:00
